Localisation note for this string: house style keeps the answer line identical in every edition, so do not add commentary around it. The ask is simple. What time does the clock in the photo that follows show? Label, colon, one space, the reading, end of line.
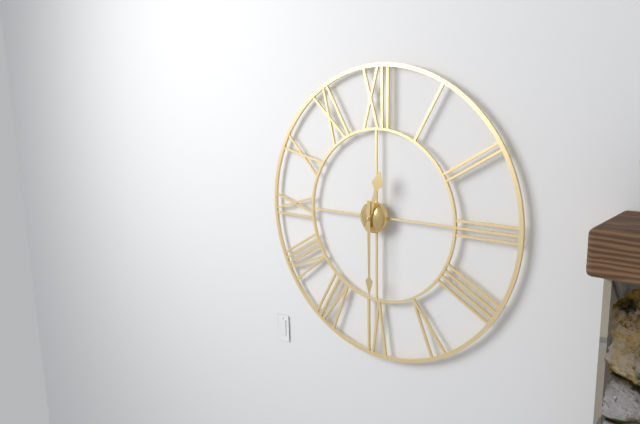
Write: 12:30
